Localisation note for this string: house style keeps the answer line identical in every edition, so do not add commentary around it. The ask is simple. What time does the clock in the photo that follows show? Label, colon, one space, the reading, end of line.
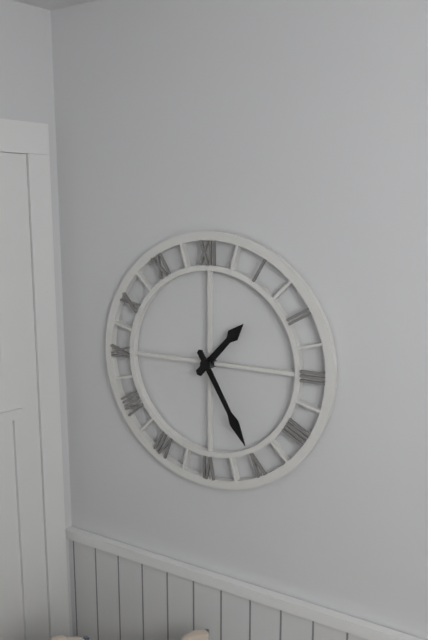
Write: 1:25
